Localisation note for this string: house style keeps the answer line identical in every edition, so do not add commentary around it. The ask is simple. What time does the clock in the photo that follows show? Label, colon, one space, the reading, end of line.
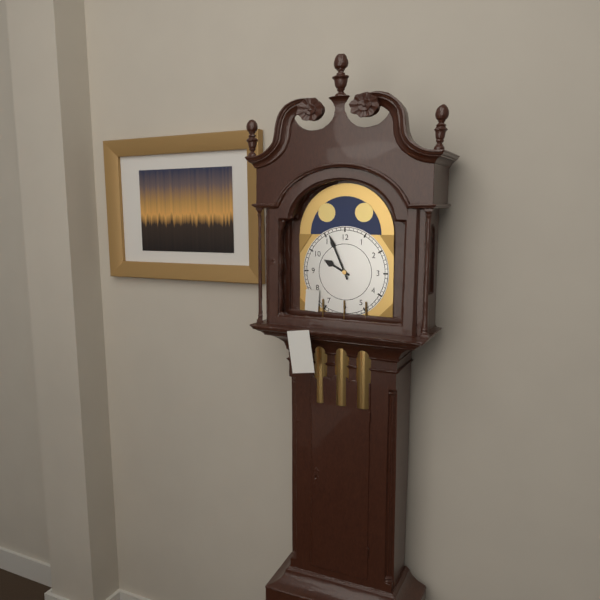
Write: 9:56
